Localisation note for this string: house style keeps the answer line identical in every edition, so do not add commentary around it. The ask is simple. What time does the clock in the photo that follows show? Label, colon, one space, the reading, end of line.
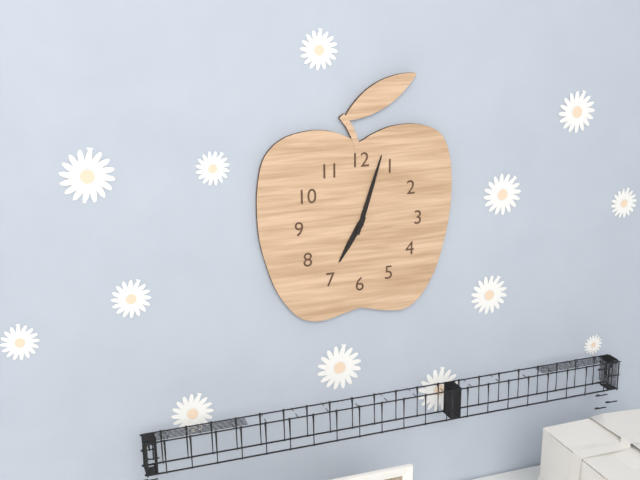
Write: 7:03
